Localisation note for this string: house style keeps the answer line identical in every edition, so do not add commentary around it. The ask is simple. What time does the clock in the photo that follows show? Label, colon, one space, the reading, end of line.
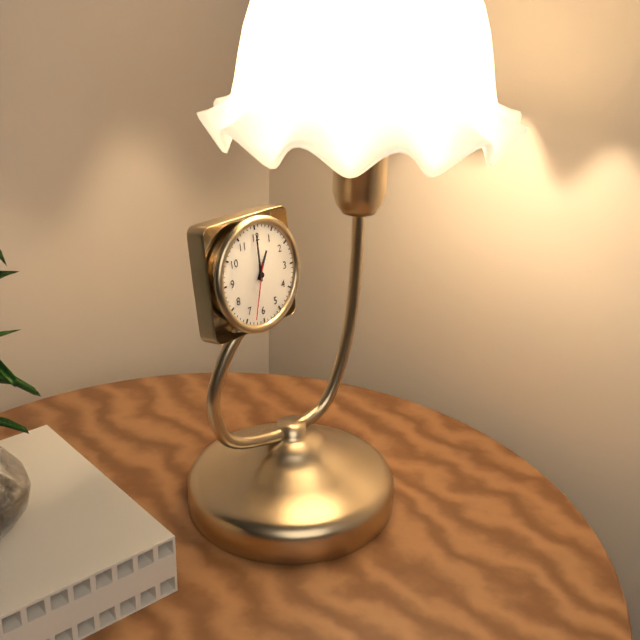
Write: 1:00:33
